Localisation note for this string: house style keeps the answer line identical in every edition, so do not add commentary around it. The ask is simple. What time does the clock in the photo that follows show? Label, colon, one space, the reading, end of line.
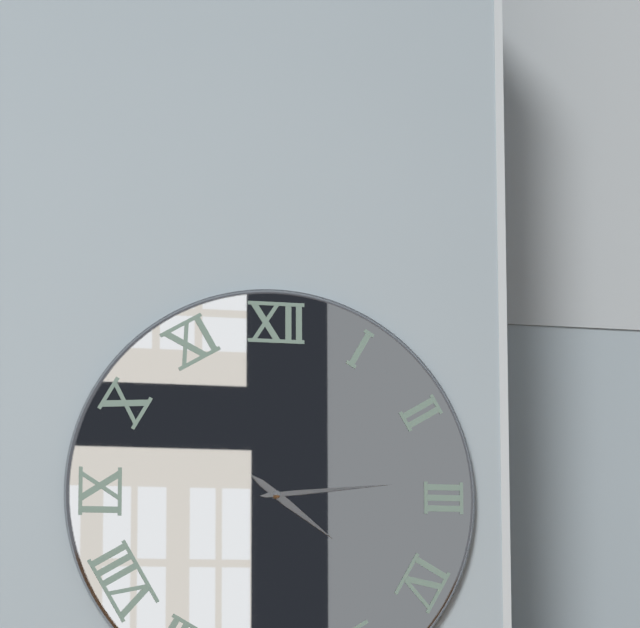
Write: 4:14
